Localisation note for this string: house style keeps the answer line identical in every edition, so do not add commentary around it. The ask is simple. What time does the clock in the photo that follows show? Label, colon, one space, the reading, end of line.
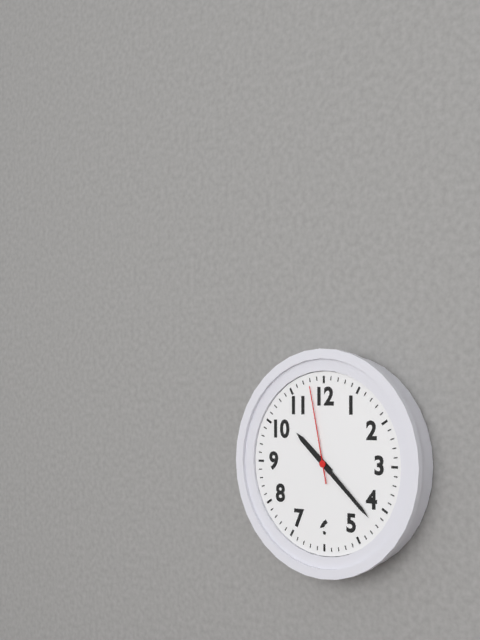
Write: 10:22:58
